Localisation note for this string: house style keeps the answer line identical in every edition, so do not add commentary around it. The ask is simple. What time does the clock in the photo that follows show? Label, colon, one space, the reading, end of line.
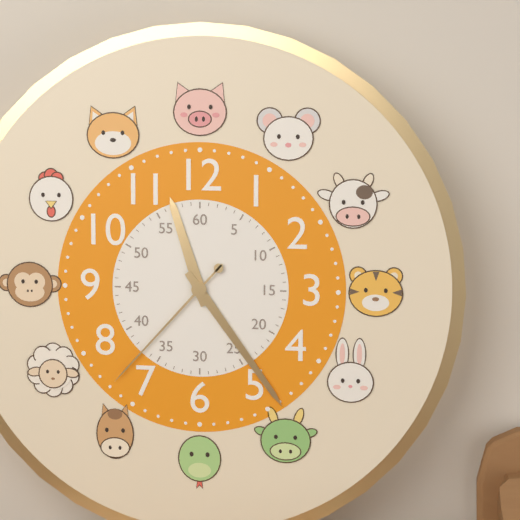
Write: 11:24:37
